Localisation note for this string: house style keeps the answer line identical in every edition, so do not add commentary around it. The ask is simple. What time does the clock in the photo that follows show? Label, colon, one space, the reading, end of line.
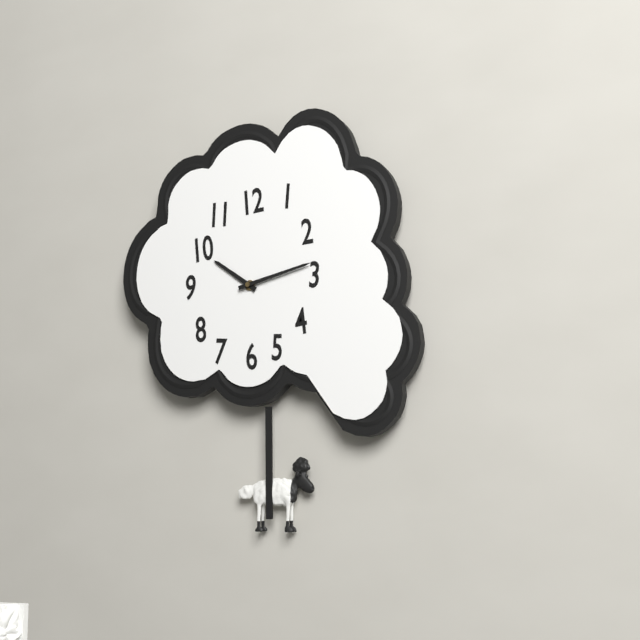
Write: 10:13
